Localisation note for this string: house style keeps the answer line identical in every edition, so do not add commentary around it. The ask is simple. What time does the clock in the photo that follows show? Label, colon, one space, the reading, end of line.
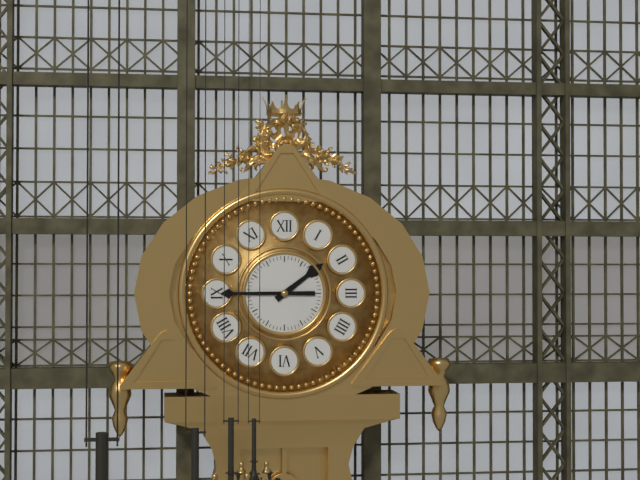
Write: 1:45
